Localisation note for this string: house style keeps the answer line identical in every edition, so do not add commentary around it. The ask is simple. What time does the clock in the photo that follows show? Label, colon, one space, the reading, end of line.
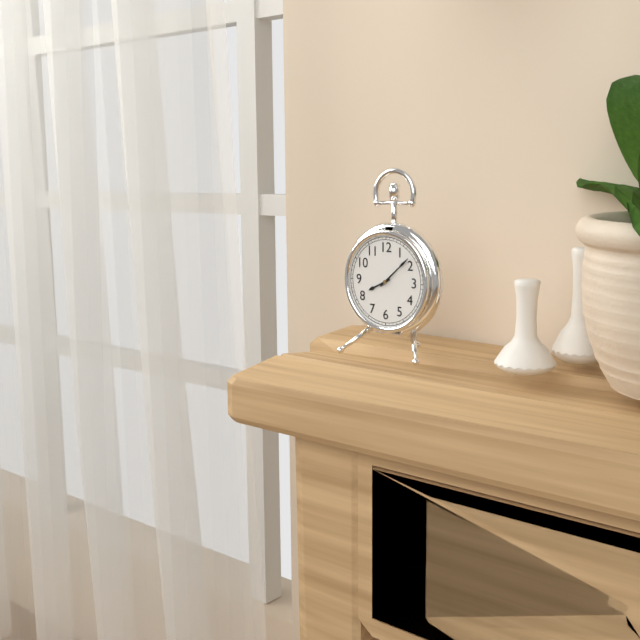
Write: 8:08
